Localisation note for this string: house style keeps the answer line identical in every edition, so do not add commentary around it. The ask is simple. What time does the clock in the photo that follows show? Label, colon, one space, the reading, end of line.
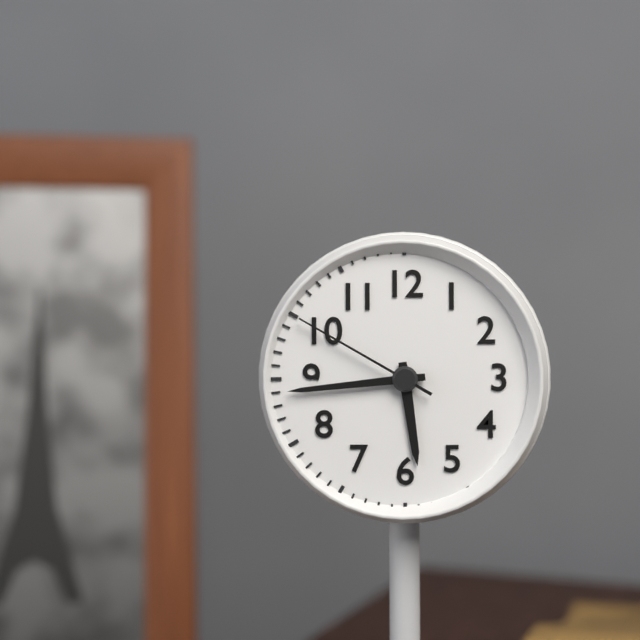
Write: 5:44:50
